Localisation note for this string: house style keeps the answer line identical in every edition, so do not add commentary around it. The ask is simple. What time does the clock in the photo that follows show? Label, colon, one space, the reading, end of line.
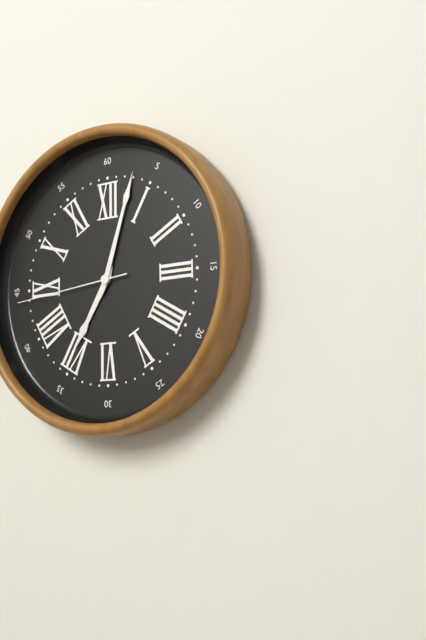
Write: 7:03:44
